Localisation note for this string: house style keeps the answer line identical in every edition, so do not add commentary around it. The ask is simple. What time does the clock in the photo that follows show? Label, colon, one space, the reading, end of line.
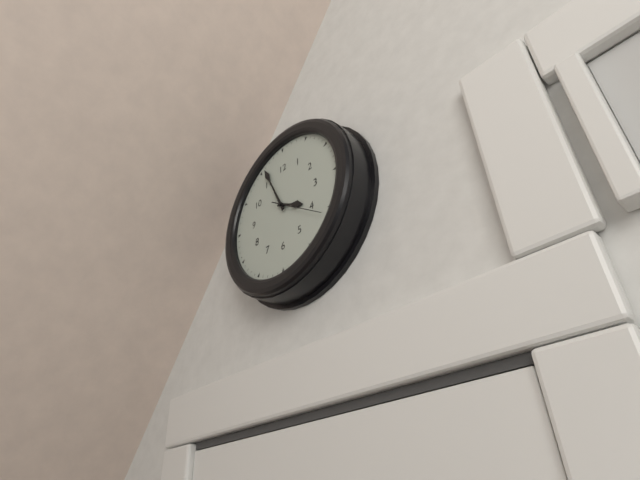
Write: 3:56
